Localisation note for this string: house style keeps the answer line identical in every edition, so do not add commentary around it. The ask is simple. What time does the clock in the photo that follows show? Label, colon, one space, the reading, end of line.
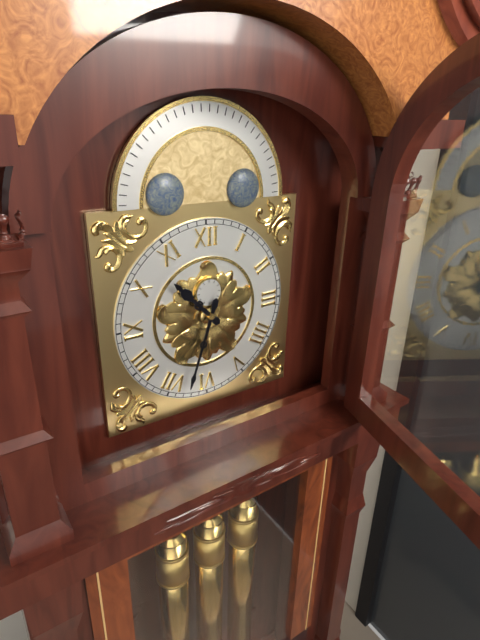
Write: 10:33
